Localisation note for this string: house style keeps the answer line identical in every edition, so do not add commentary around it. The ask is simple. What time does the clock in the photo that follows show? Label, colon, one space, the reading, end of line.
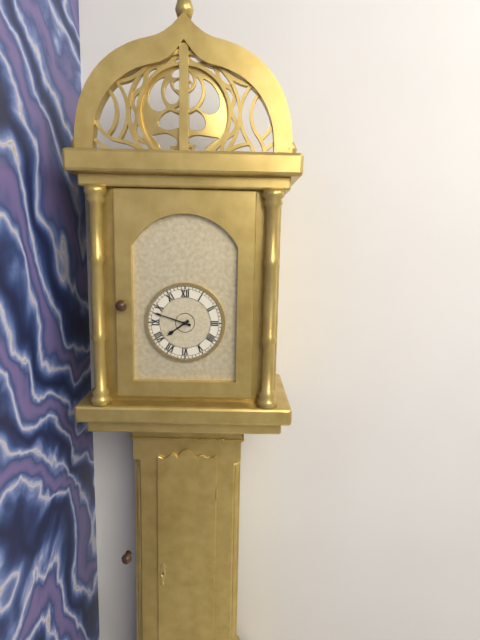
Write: 7:48
